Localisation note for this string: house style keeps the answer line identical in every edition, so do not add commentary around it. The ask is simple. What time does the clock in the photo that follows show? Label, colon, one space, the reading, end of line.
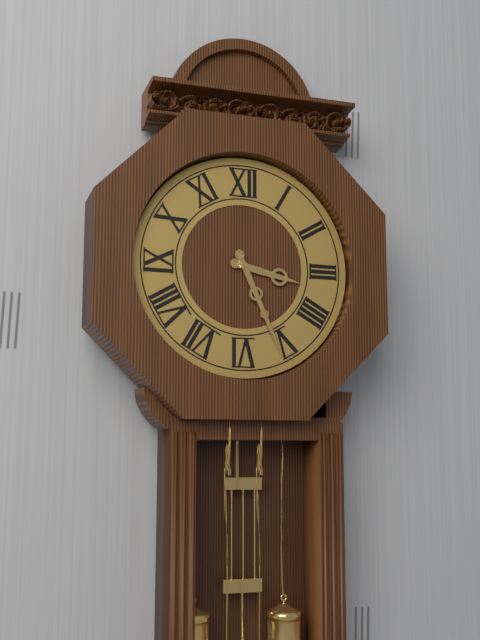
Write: 3:26
